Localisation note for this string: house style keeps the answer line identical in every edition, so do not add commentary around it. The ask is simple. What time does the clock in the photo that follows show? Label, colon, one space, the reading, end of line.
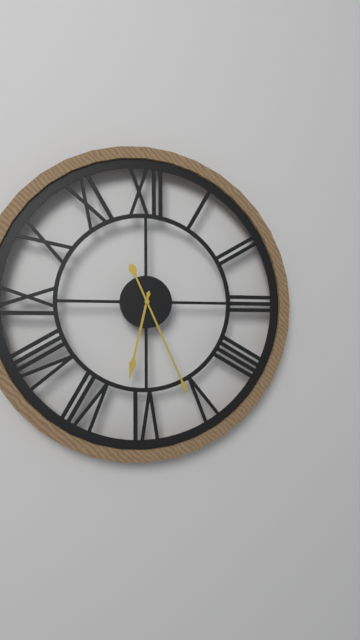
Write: 6:26
